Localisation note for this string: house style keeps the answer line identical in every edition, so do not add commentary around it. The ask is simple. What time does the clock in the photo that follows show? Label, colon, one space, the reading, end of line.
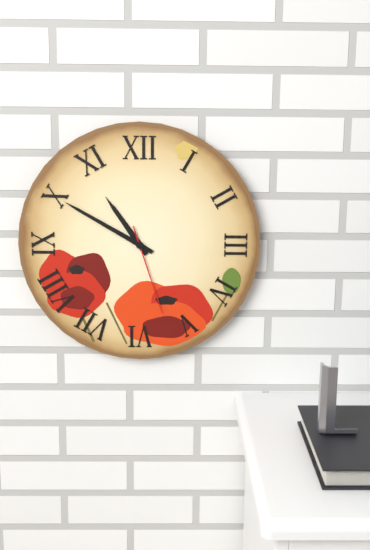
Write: 10:50:27
